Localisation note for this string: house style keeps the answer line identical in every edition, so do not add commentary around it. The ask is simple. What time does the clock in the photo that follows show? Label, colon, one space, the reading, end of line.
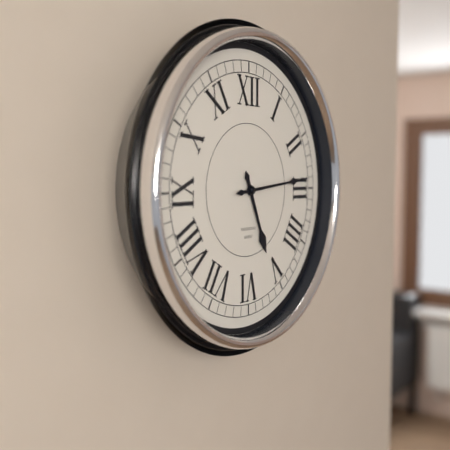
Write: 5:14
